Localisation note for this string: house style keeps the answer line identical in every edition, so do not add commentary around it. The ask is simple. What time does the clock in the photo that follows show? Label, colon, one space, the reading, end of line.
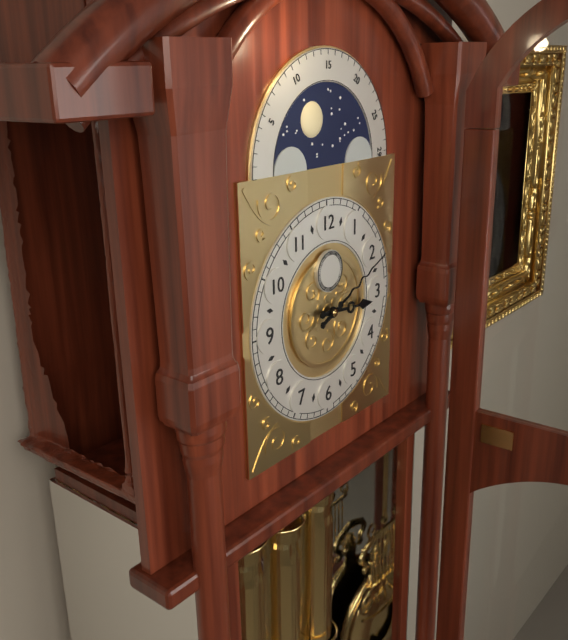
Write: 3:11
